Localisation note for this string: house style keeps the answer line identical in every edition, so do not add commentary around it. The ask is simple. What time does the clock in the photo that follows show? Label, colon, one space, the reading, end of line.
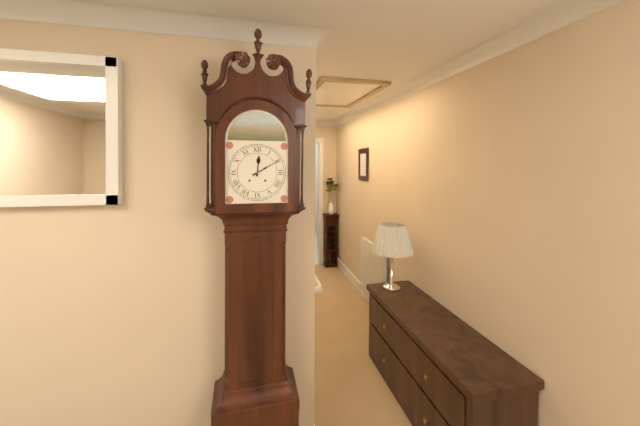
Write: 12:10
